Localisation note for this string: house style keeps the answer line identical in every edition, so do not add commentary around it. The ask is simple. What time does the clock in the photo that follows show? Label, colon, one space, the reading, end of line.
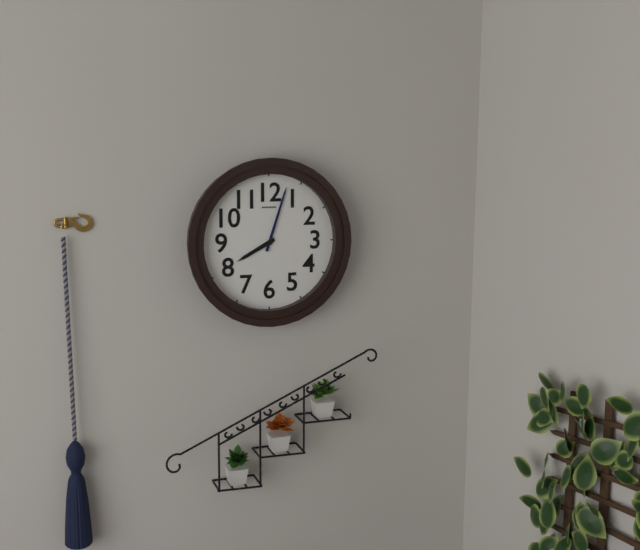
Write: 8:03
